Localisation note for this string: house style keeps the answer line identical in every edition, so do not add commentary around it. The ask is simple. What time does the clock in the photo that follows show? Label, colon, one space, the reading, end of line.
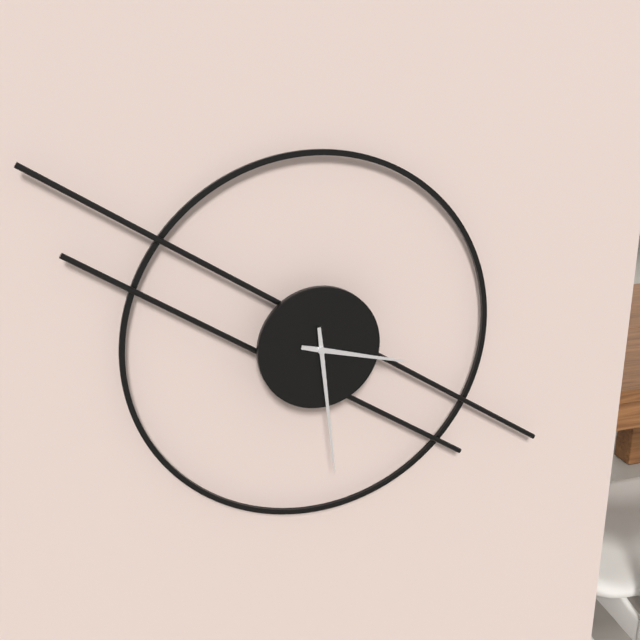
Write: 3:29
